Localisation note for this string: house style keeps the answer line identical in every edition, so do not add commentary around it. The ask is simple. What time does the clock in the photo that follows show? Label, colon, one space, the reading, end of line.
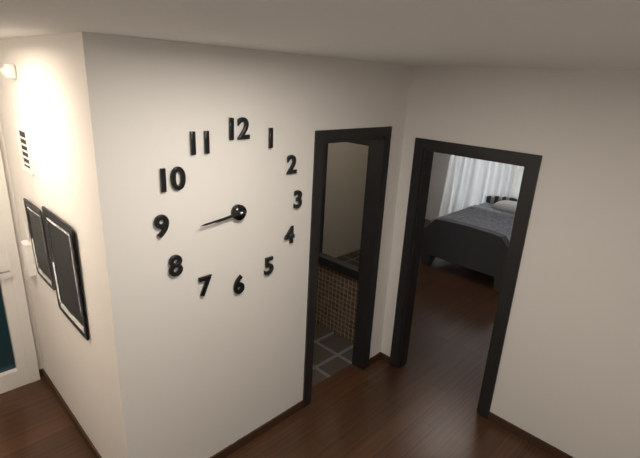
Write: 8:44
